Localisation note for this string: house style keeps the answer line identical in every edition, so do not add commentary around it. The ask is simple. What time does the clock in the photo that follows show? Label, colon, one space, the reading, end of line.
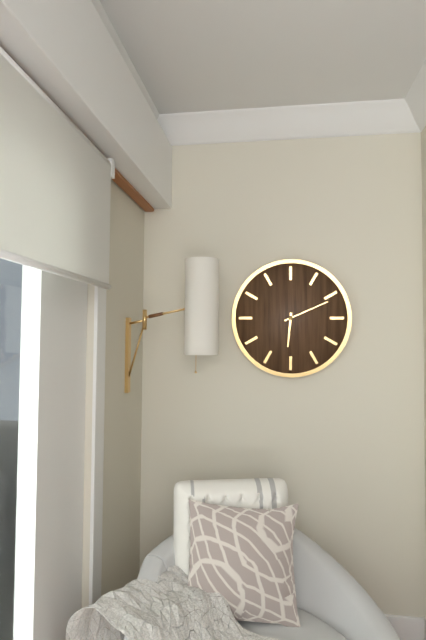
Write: 6:11
